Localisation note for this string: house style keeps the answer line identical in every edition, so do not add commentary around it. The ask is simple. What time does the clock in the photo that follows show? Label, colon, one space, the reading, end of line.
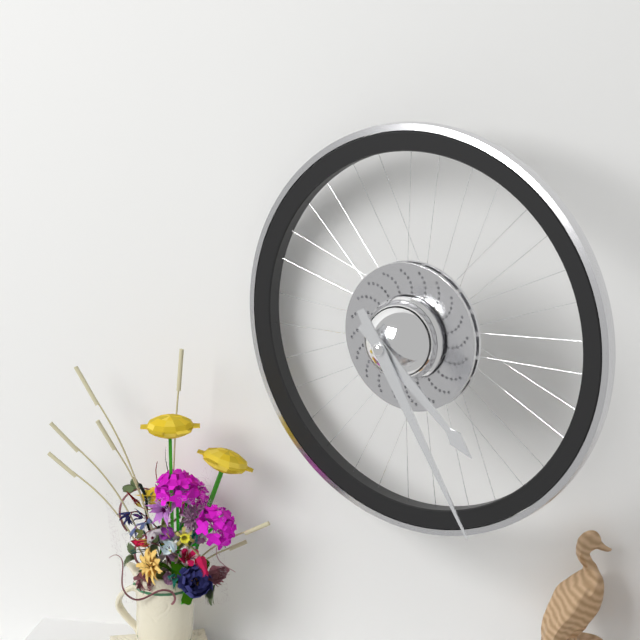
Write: 4:25
